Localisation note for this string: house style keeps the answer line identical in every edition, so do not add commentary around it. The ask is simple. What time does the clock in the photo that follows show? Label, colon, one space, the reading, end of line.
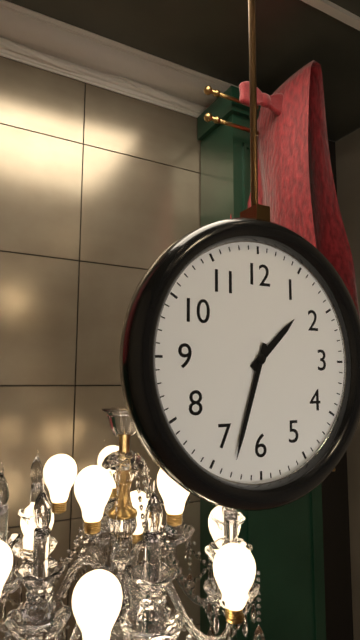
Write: 1:33
